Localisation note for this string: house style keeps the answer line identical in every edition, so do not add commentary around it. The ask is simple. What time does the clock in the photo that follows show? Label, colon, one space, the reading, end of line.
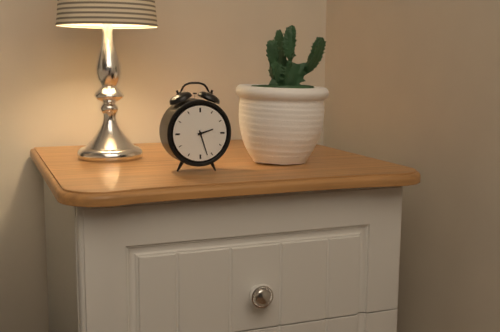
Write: 2:27
